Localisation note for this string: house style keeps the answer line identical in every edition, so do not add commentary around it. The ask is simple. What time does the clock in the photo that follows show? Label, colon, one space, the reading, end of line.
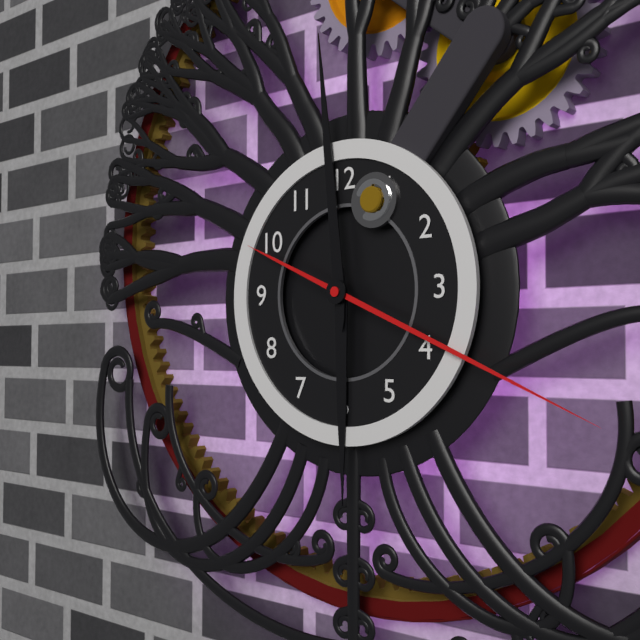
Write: 5:59:19
